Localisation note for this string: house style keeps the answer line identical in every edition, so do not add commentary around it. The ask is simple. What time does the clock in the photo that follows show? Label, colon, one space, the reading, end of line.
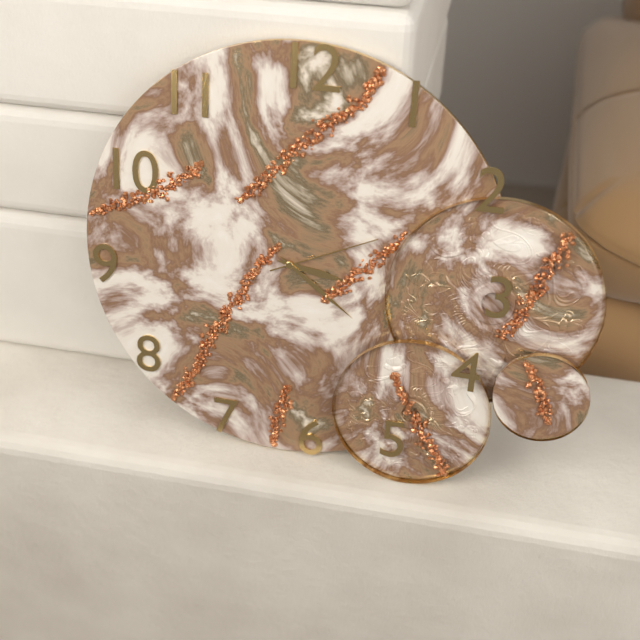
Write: 3:21:11
